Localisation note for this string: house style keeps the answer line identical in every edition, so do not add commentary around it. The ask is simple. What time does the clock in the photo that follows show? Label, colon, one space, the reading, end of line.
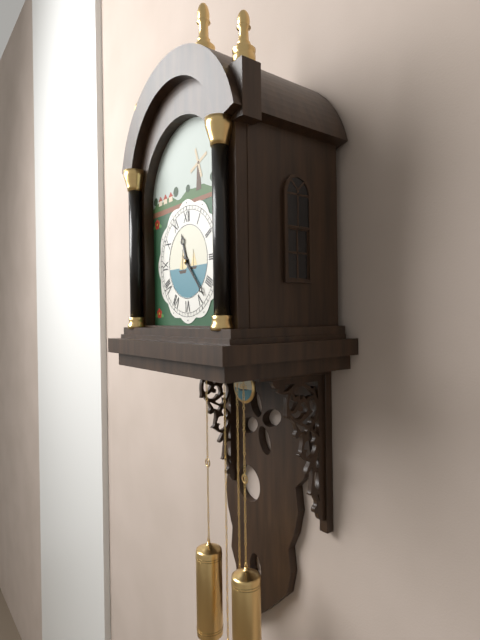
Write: 11:23
